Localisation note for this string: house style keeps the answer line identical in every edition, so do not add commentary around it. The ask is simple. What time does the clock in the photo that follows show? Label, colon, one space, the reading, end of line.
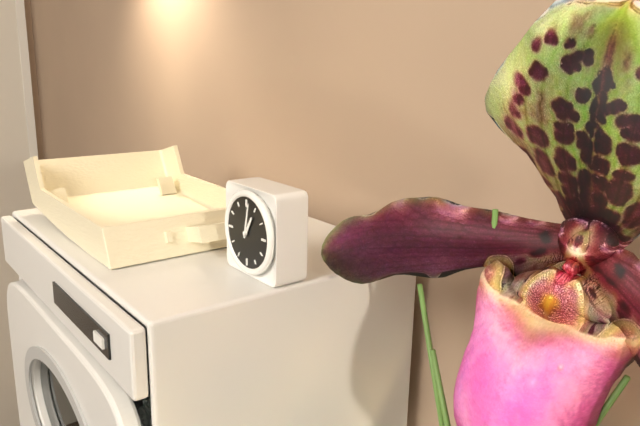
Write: 1:02
